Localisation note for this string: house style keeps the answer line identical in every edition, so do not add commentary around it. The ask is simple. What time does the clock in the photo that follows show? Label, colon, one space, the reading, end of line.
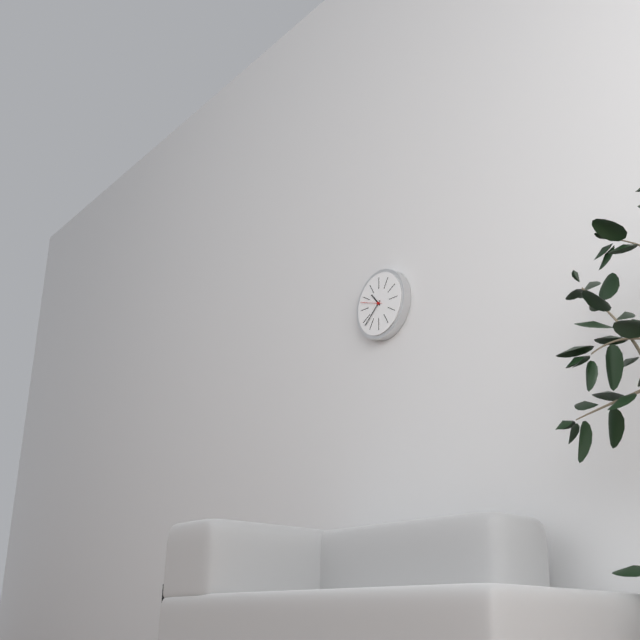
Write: 10:38
